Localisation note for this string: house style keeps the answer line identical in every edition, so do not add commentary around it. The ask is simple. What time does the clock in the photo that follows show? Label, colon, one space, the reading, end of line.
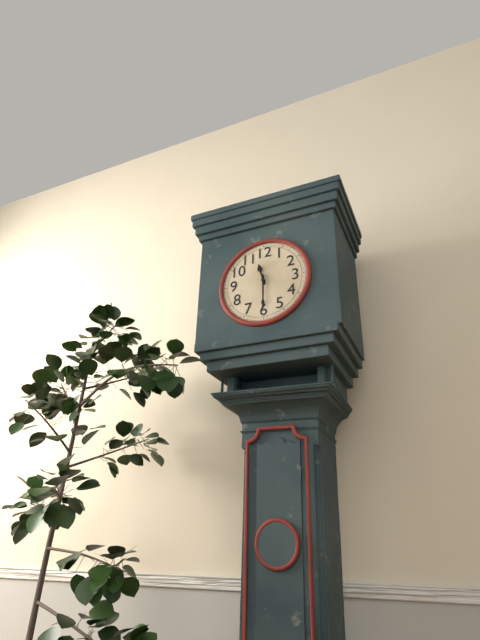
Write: 11:30
